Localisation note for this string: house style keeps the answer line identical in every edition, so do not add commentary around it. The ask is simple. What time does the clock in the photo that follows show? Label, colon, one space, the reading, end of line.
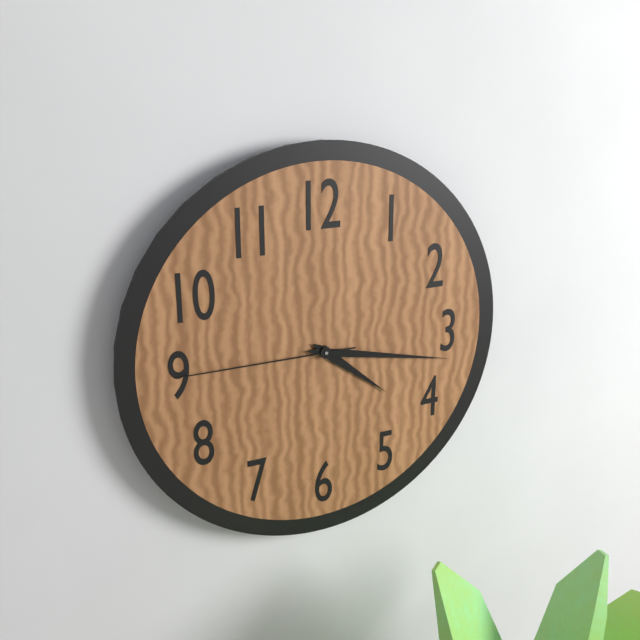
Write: 4:17:45
